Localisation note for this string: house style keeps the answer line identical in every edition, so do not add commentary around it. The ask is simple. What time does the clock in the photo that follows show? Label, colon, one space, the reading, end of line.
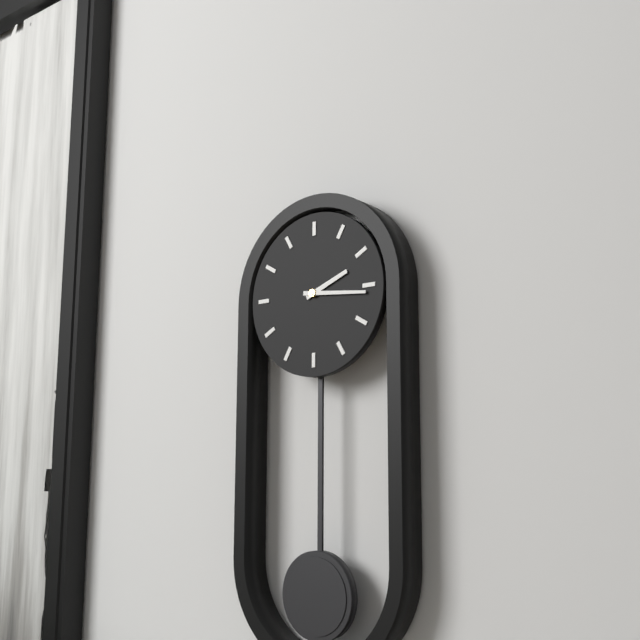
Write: 2:16
